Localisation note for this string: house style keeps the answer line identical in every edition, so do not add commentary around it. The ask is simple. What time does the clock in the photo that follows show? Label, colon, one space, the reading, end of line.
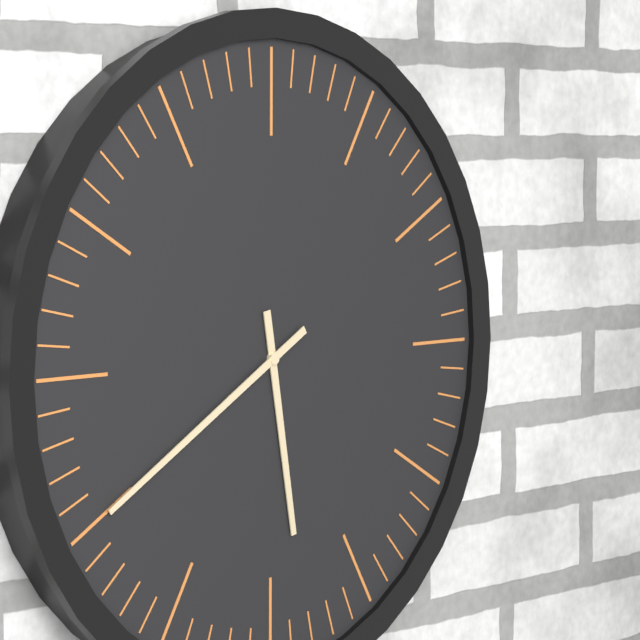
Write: 5:40
